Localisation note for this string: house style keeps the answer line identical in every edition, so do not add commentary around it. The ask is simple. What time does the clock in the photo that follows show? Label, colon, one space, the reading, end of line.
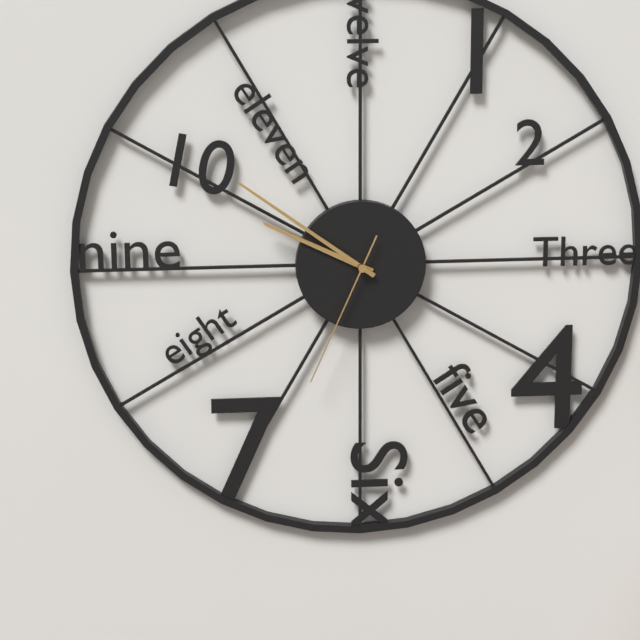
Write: 9:51:34
